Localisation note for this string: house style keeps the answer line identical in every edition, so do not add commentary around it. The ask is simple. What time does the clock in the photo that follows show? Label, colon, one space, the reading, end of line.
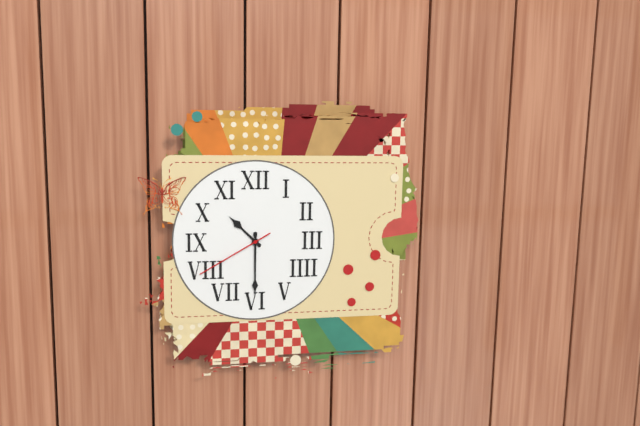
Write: 10:30:40
